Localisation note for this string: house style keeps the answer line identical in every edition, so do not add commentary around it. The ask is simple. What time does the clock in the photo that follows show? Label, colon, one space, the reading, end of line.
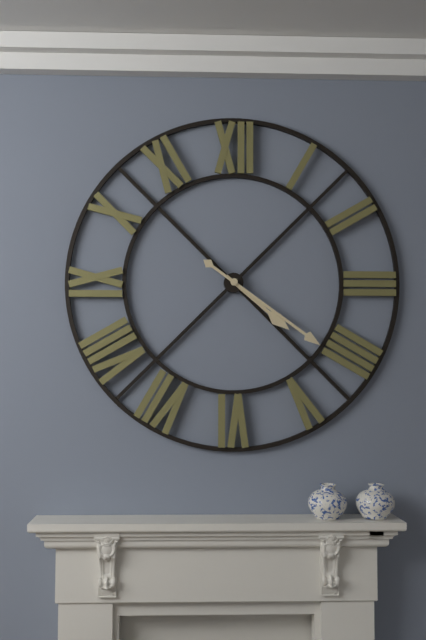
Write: 4:21
